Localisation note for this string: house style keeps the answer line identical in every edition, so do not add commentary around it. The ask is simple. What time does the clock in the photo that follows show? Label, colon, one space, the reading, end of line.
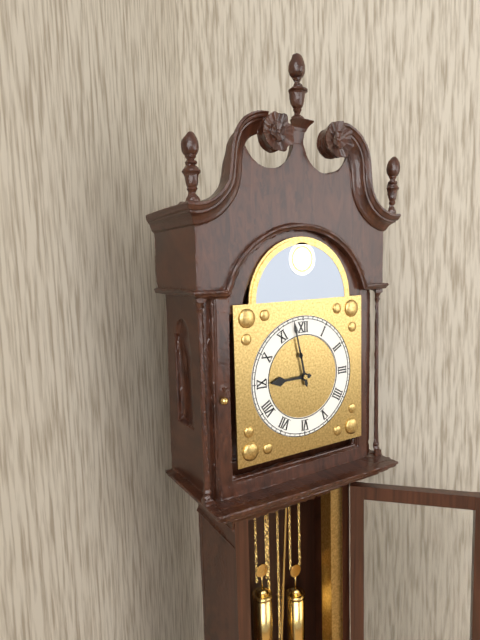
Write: 8:58
